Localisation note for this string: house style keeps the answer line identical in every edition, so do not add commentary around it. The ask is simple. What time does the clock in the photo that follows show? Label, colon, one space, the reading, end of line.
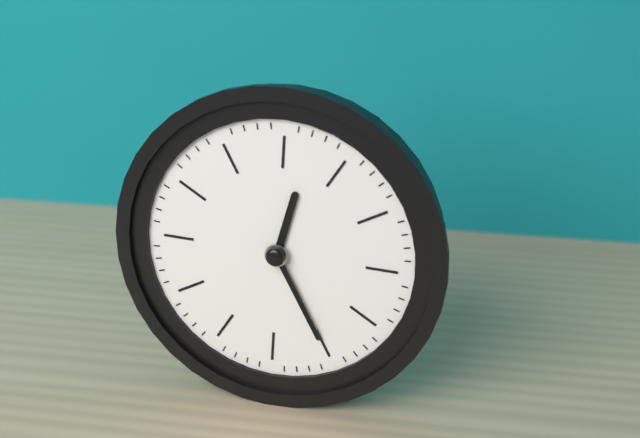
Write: 12:25
